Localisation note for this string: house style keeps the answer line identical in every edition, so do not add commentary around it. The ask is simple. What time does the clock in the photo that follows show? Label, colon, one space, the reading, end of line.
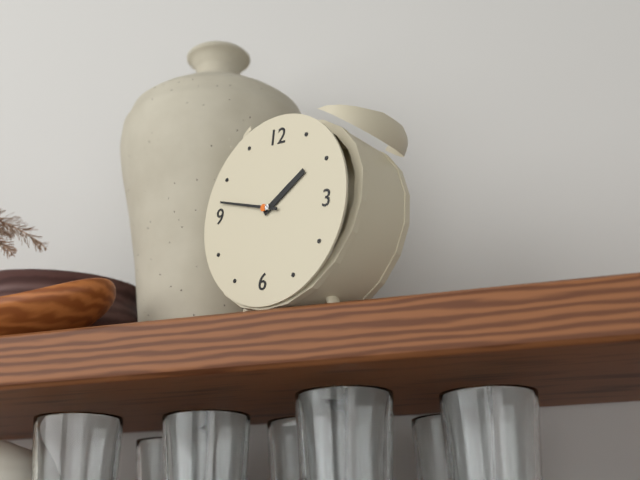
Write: 1:47
